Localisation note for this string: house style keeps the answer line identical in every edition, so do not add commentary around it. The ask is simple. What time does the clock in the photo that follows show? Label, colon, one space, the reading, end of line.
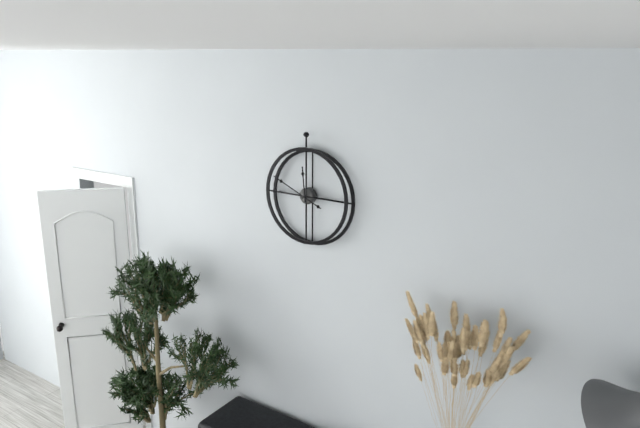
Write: 11:49
